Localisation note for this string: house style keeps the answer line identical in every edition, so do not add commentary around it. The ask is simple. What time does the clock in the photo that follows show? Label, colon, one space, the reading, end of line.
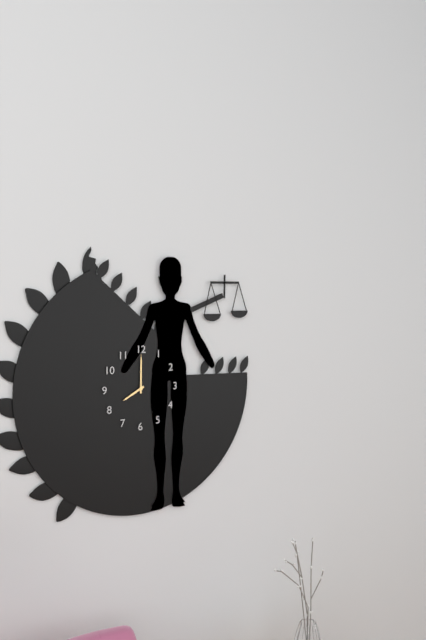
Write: 8:00
